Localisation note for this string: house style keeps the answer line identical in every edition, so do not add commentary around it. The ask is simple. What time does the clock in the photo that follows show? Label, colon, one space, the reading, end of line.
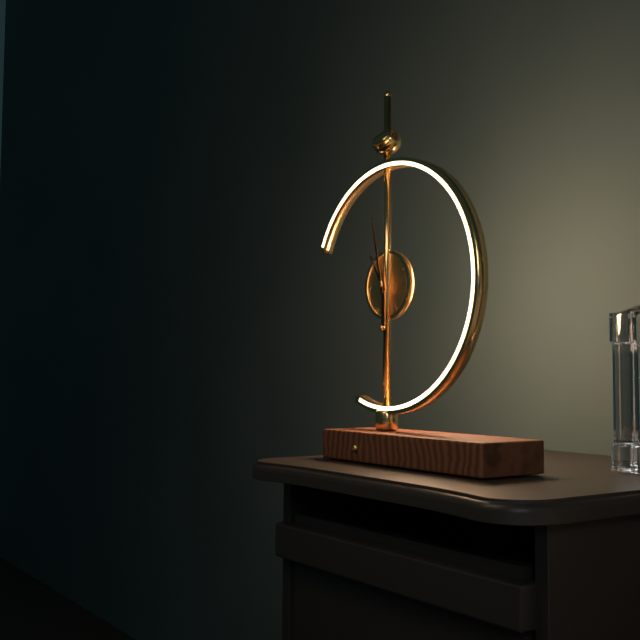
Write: 10:58
